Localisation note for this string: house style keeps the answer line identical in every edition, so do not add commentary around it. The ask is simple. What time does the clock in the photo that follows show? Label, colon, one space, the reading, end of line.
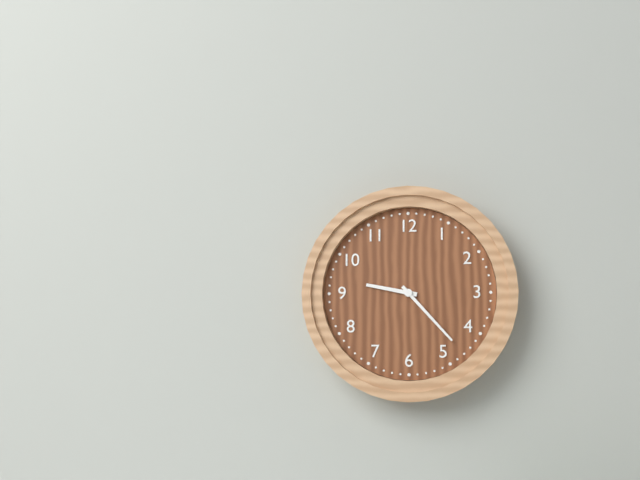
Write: 9:23
